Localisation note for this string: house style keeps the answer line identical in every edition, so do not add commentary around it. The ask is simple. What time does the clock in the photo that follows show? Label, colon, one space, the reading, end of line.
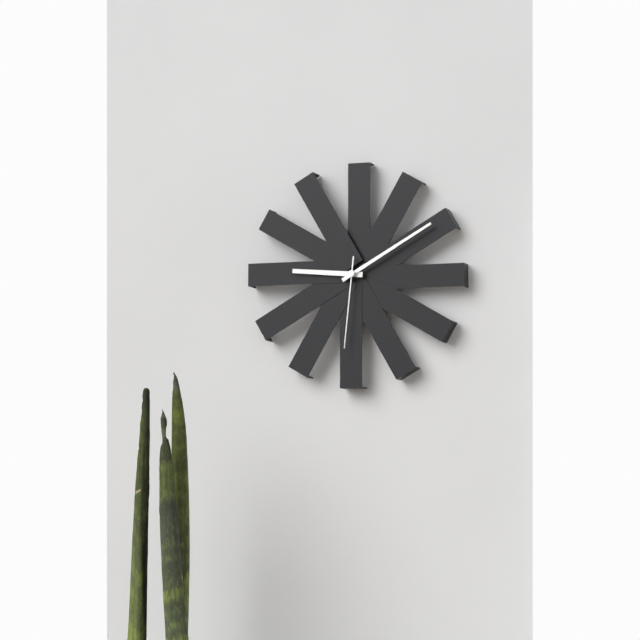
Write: 9:10:31
